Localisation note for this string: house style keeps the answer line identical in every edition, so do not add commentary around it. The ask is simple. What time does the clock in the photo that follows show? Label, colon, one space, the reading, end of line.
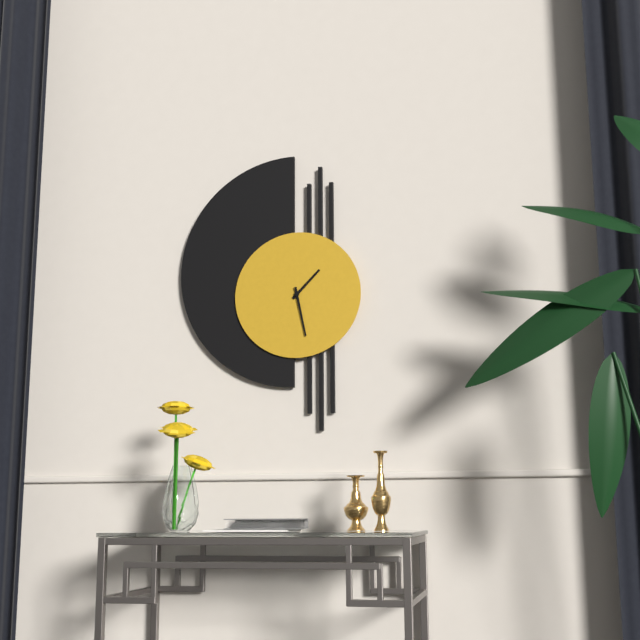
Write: 1:28
